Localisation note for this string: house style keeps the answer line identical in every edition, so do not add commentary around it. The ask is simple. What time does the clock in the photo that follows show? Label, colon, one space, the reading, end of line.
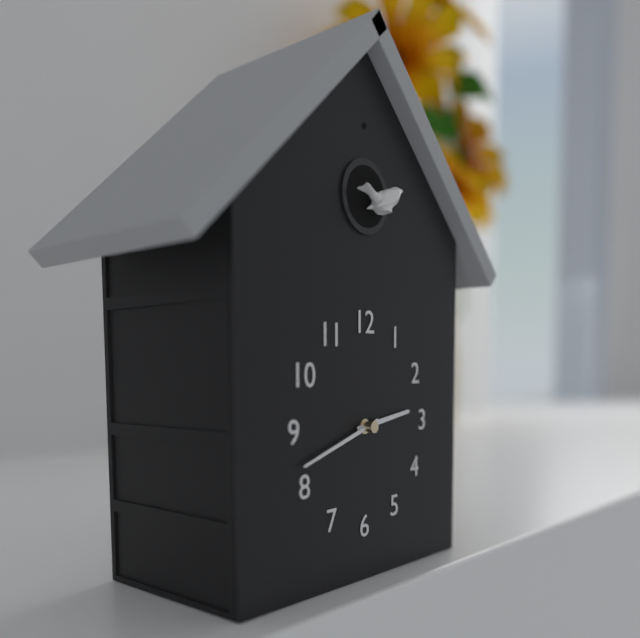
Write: 2:42
